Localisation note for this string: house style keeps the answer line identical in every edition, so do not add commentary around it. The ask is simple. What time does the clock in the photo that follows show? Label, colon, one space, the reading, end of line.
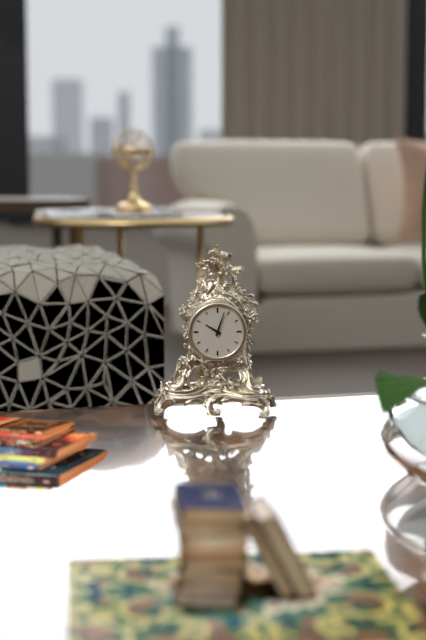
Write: 10:03
